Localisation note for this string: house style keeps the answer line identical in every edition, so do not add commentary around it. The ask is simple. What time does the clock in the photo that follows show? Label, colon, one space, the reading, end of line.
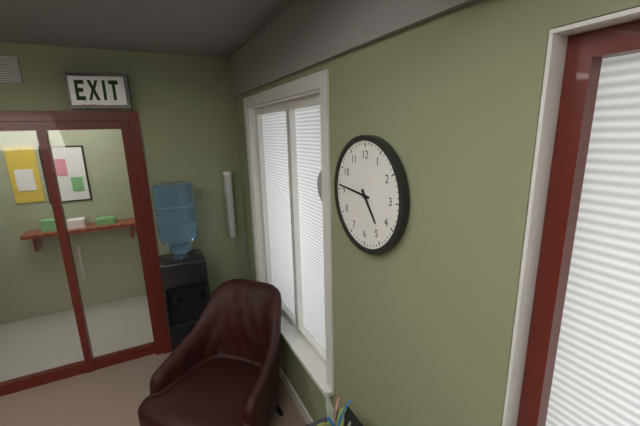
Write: 4:46
